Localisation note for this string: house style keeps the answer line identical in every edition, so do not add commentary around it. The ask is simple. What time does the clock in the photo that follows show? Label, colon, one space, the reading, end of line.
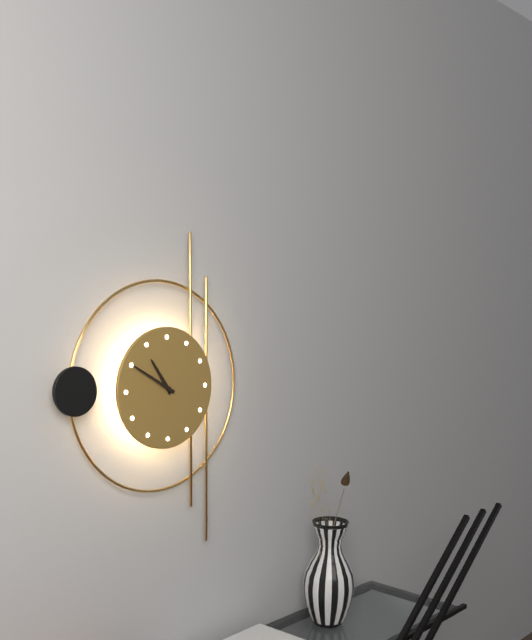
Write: 10:50
